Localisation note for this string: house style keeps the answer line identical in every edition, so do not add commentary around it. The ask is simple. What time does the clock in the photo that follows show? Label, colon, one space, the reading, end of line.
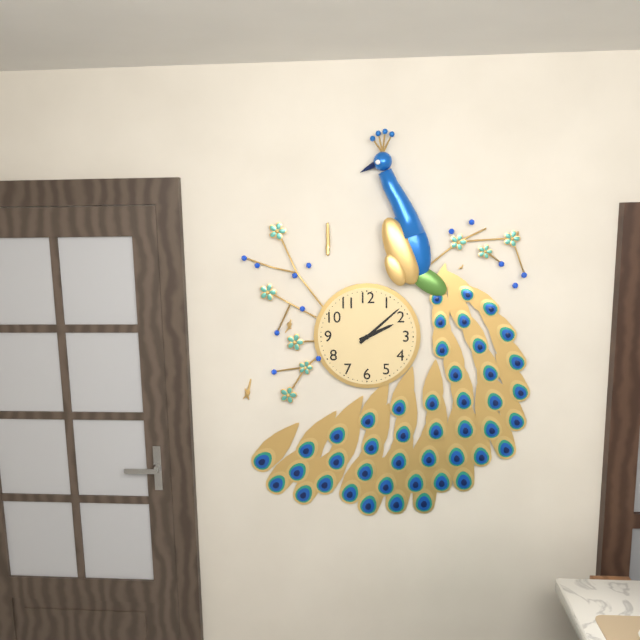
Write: 2:08
